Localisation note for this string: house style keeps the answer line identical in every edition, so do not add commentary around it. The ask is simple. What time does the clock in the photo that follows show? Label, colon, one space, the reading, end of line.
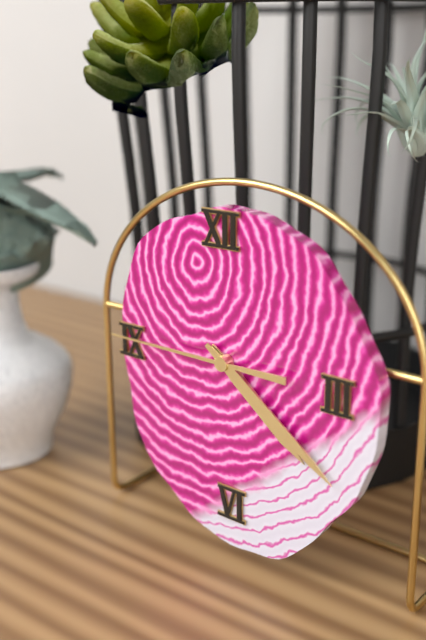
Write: 4:21:45
